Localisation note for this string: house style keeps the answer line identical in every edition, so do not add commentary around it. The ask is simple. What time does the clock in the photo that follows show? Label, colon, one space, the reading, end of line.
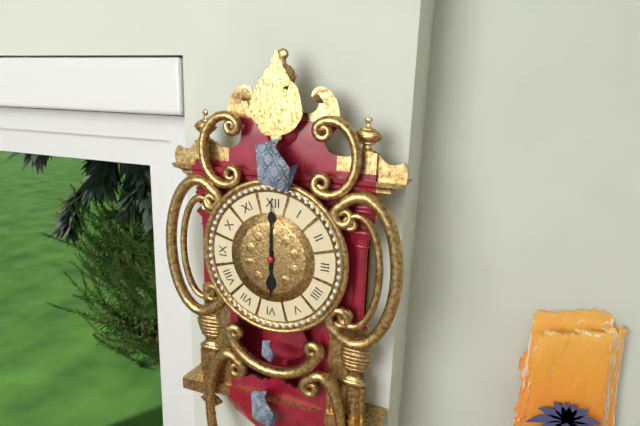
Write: 6:00
